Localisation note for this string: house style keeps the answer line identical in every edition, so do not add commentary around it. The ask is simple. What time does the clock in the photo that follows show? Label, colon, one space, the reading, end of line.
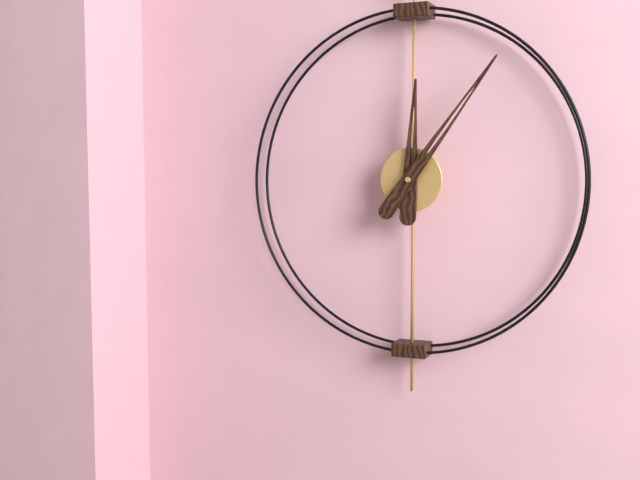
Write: 12:06
